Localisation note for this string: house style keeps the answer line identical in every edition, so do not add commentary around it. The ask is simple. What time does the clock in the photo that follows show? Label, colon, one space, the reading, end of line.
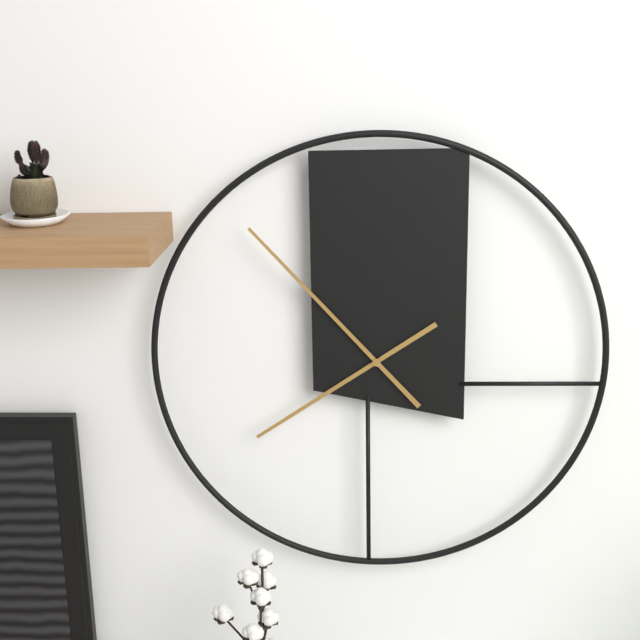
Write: 7:53
